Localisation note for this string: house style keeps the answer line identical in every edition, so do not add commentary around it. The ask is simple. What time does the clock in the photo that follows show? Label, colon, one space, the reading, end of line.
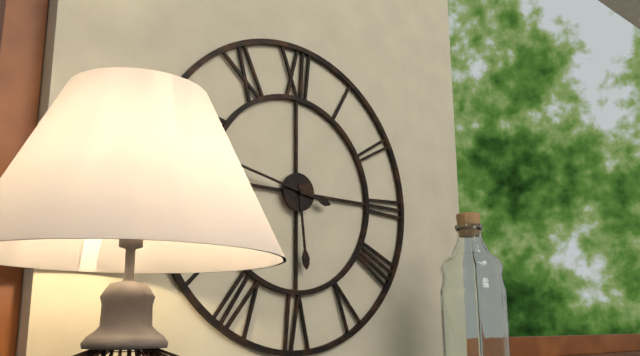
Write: 5:47
